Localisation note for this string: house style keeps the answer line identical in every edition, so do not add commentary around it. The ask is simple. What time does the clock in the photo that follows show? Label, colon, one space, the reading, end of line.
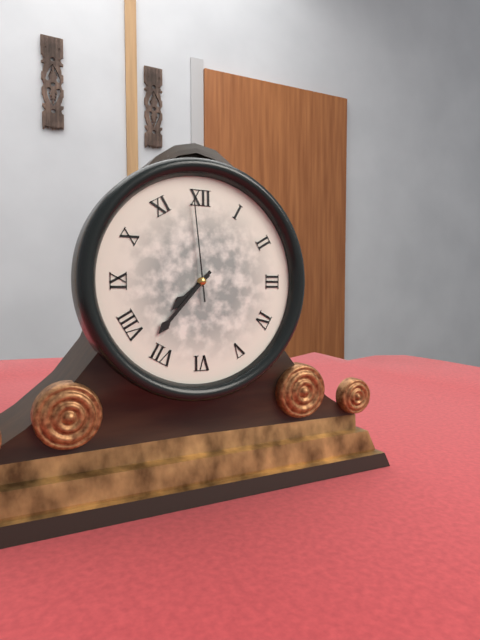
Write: 7:37:59
